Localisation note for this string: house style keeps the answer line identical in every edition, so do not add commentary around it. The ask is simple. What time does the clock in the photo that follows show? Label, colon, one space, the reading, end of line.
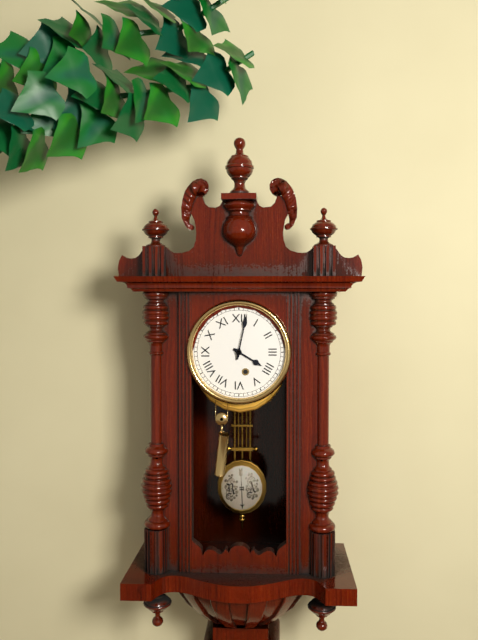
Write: 4:02
